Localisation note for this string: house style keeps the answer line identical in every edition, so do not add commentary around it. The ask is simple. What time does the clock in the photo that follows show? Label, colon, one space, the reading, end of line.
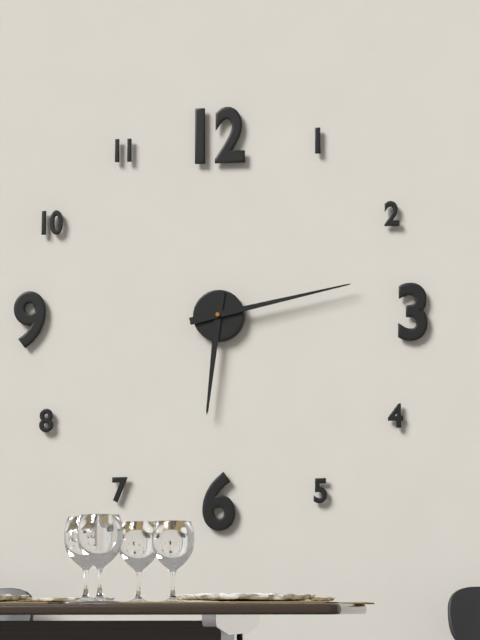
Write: 6:13
